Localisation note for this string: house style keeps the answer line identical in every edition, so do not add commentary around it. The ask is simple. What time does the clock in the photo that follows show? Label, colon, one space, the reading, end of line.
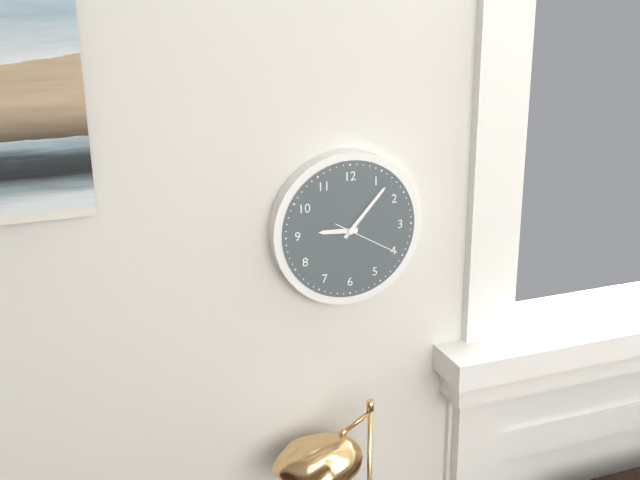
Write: 9:07:20
